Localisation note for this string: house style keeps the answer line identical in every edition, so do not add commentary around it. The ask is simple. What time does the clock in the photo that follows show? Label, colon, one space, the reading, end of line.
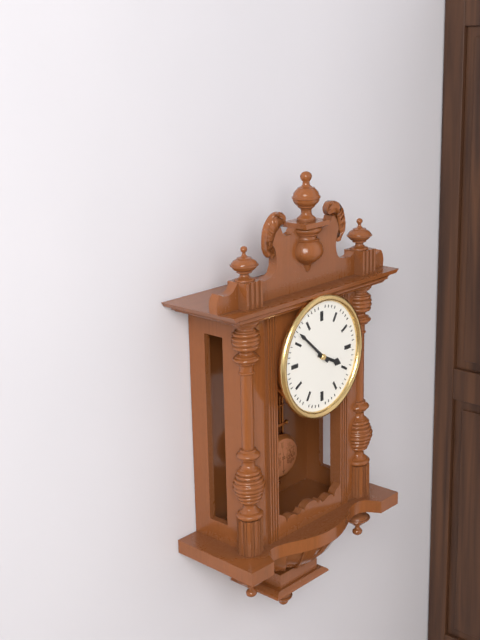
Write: 3:52
